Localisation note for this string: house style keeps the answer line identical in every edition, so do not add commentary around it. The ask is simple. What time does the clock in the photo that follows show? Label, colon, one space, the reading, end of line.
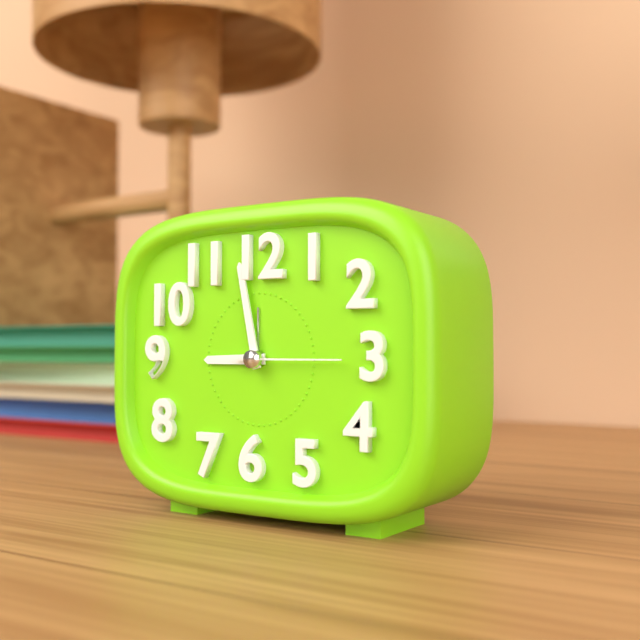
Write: 8:58:15
